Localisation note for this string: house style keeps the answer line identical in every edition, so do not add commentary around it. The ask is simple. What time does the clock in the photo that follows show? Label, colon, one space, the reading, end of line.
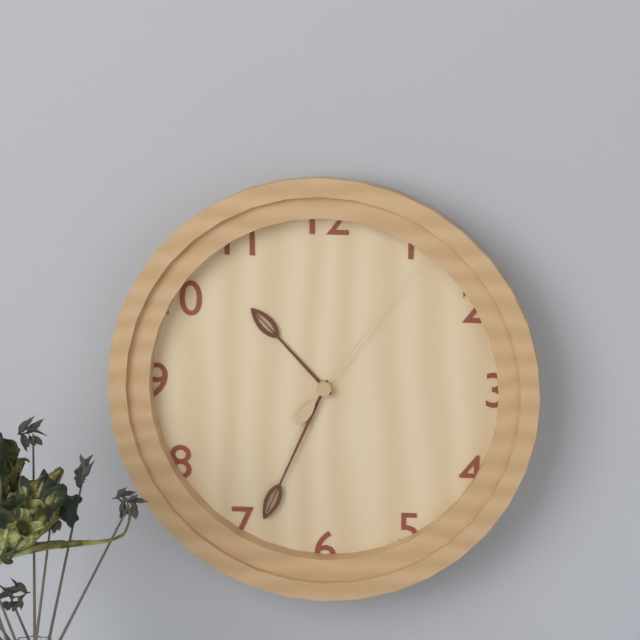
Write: 10:34:06
